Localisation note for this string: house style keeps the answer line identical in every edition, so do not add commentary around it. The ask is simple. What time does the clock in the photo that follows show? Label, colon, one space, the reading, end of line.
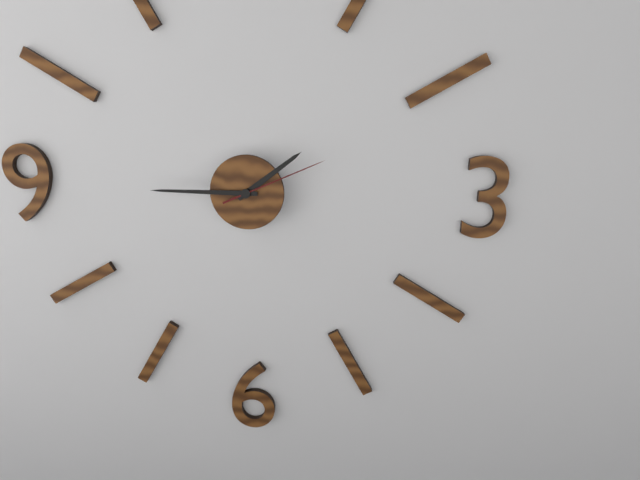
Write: 1:45:11
